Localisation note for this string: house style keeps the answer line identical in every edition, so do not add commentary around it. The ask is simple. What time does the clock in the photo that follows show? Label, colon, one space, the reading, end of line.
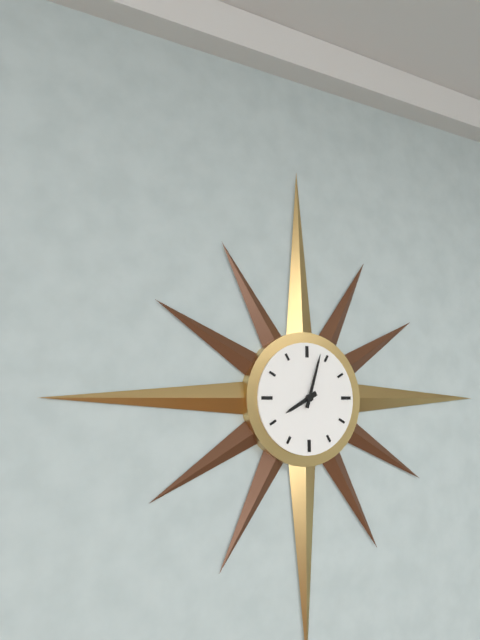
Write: 8:03
